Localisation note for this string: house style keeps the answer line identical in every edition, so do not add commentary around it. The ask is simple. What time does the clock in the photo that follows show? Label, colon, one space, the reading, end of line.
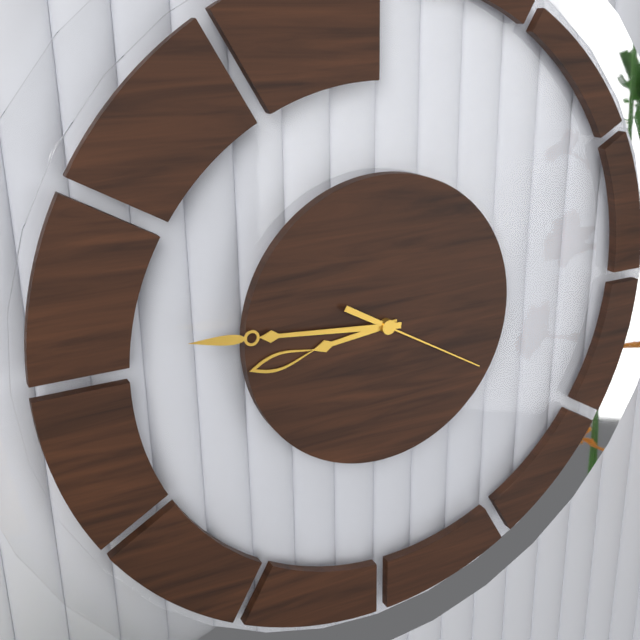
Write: 8:46:20
